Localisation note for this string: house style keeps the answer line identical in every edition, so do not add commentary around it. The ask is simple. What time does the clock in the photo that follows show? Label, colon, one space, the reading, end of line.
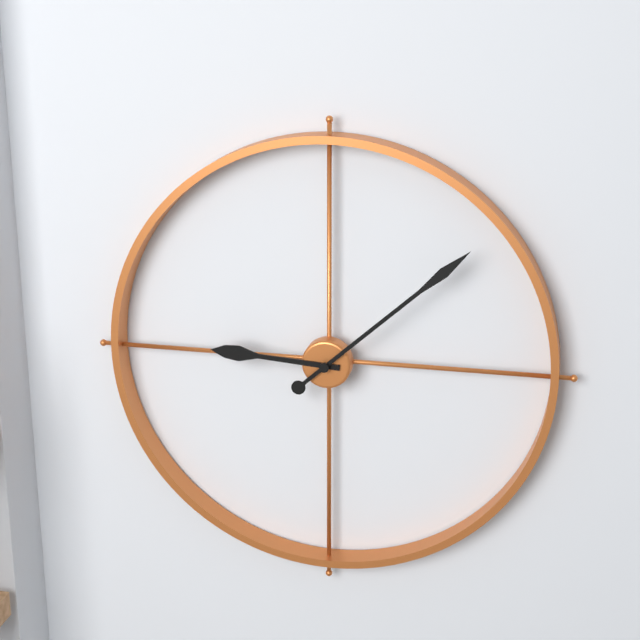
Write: 9:08
